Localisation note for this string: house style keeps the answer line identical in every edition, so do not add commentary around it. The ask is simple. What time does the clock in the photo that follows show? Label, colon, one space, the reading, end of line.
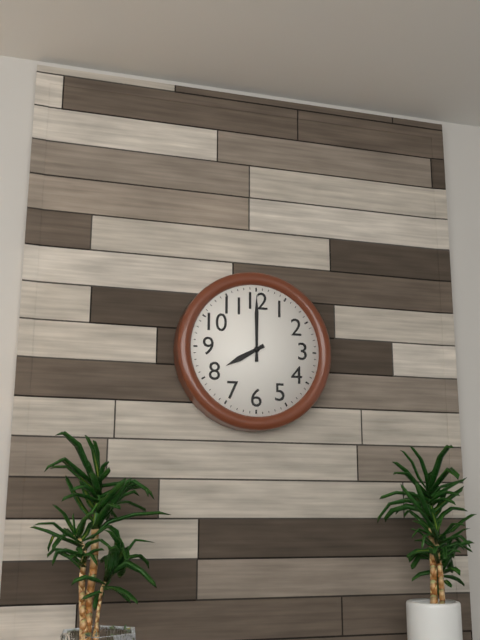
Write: 8:00
